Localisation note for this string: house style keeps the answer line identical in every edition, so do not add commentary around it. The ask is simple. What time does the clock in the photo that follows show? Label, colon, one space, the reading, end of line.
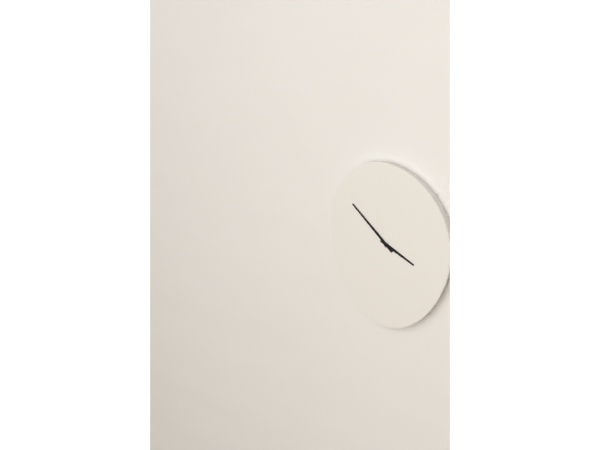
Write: 3:52
